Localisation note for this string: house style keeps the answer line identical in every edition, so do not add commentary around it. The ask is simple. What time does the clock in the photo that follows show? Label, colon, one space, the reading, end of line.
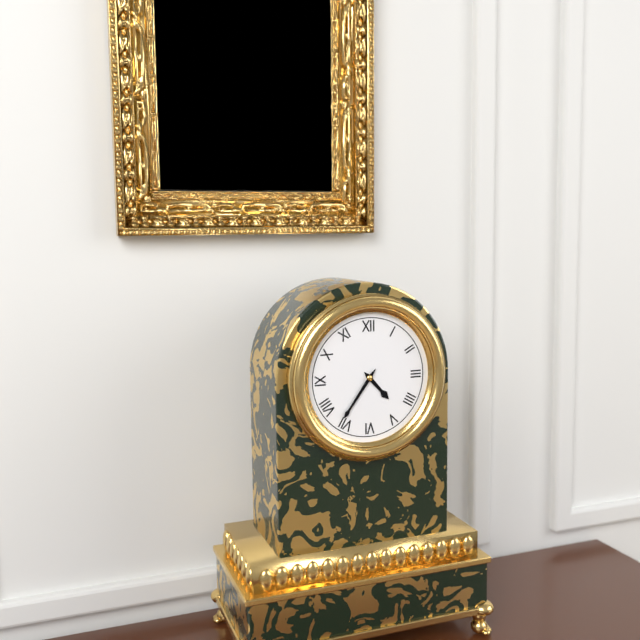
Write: 4:36
